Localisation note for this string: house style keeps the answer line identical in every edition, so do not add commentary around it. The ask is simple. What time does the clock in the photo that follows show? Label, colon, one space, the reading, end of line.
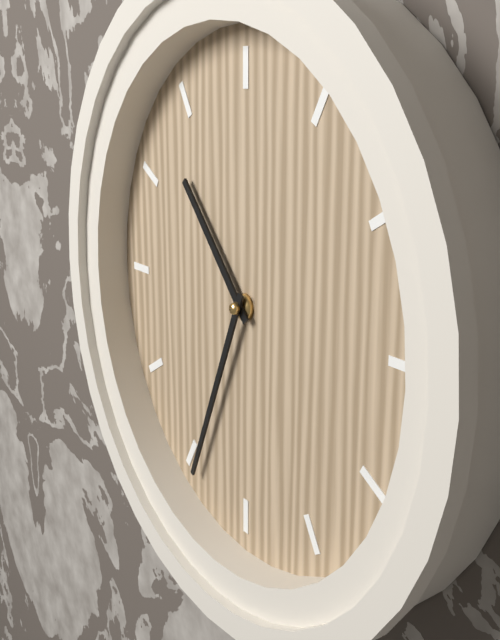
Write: 10:34
